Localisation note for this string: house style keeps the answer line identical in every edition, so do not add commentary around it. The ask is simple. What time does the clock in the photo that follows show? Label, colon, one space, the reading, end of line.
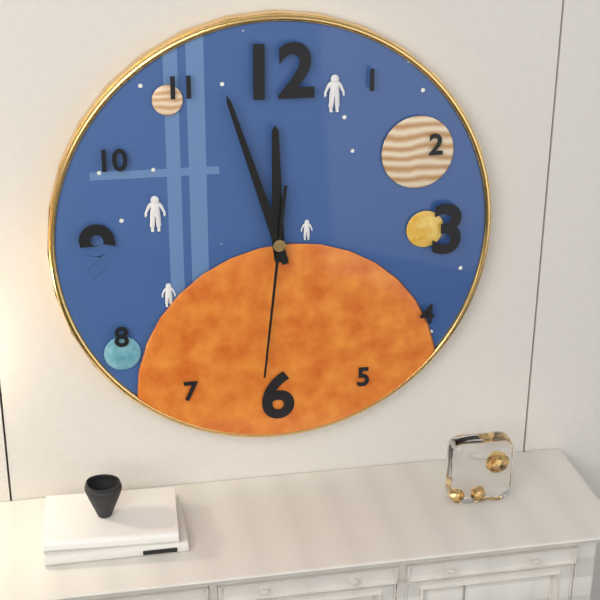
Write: 11:57:31
